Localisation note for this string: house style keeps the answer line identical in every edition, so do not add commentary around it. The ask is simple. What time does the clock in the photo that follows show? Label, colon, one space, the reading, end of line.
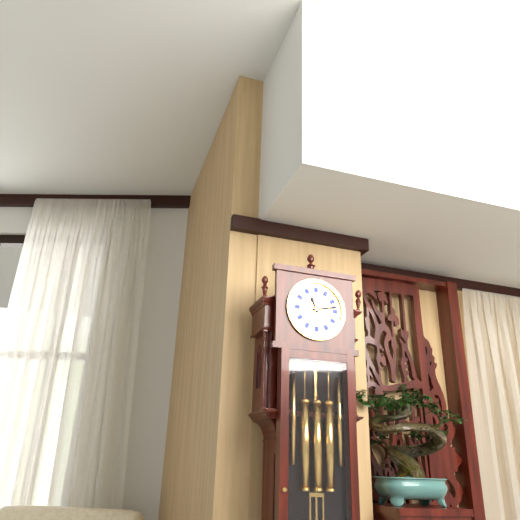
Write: 11:13
